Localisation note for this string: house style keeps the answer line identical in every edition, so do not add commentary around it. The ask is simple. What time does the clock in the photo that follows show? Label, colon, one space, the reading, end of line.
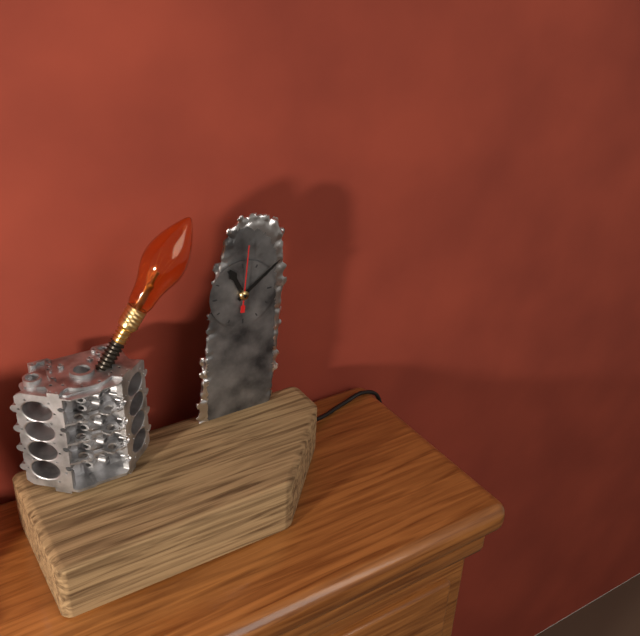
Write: 11:09:01
